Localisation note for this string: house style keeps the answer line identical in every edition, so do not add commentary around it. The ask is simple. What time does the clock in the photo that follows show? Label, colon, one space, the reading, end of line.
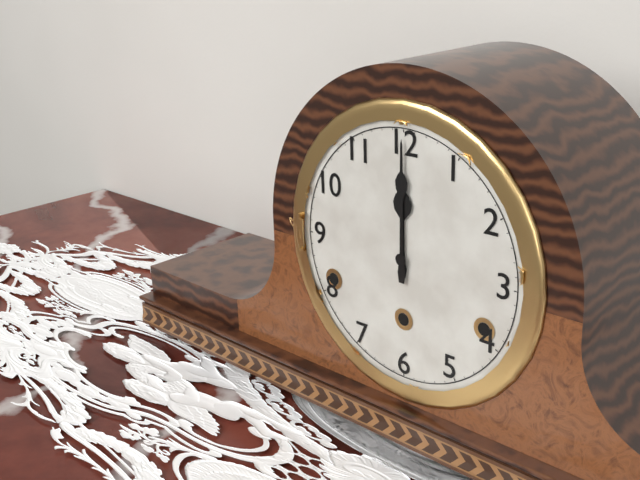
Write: 12:00
